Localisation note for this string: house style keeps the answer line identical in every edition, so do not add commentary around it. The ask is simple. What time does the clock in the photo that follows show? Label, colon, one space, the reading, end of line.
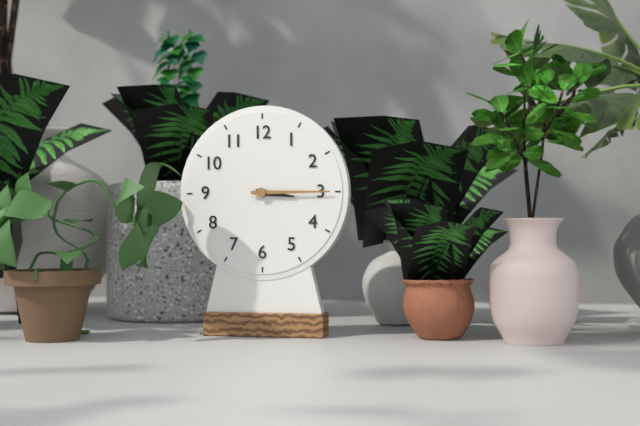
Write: 3:15
